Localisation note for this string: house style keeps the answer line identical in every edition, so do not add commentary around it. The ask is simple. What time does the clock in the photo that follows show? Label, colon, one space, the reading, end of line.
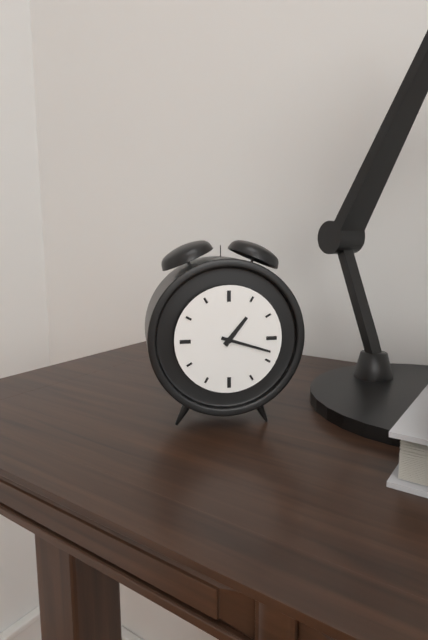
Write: 1:18
